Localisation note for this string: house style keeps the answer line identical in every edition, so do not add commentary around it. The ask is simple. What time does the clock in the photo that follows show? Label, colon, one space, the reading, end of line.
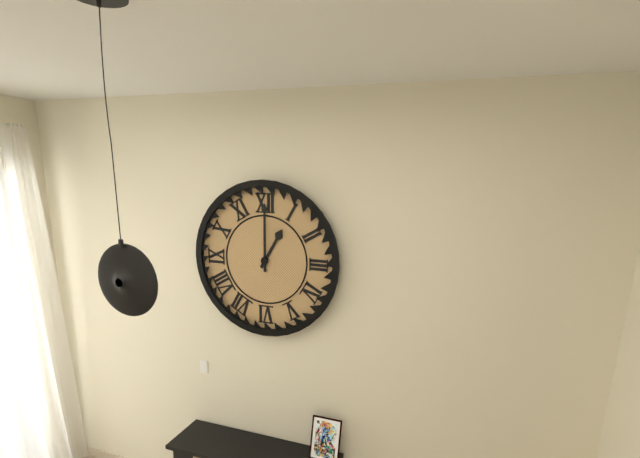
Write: 1:00
